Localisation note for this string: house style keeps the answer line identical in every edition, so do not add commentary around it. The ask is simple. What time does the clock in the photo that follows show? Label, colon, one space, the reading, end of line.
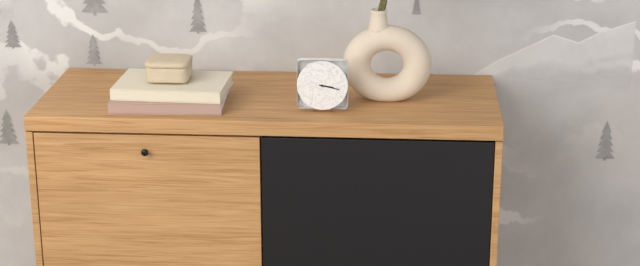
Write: 3:17
